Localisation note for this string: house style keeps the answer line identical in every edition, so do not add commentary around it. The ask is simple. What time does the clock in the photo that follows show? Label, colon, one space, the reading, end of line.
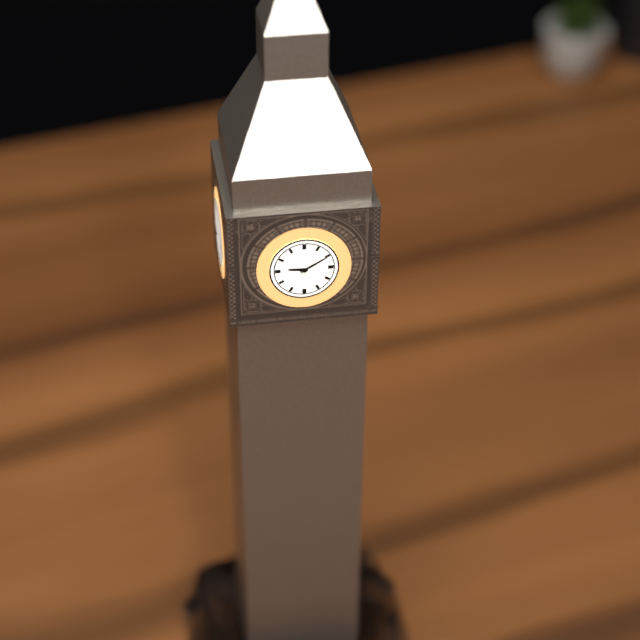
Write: 9:10
